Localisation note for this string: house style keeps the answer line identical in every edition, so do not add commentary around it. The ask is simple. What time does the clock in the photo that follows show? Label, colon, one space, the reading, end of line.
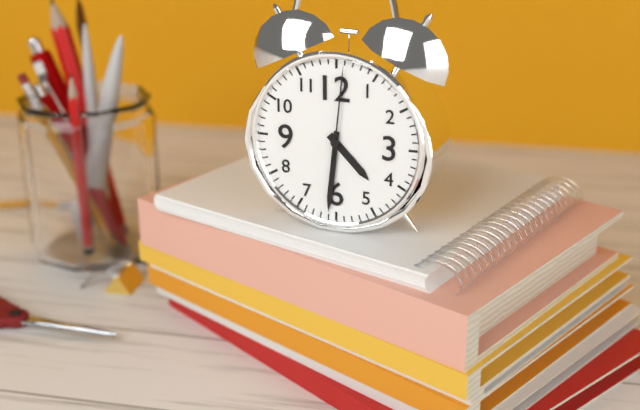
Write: 4:31:01
